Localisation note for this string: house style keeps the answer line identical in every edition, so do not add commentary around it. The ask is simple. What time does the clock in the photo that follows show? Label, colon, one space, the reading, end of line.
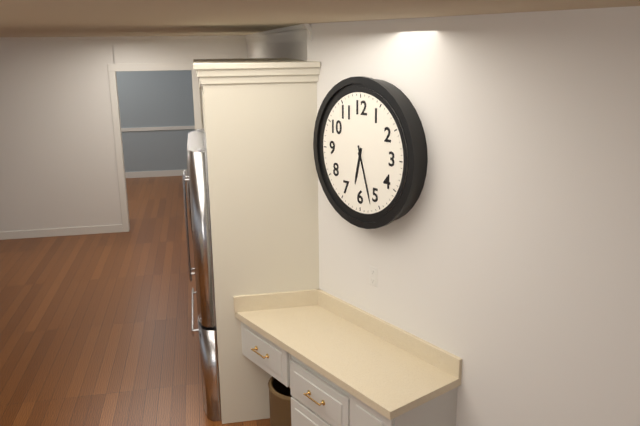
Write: 6:27
